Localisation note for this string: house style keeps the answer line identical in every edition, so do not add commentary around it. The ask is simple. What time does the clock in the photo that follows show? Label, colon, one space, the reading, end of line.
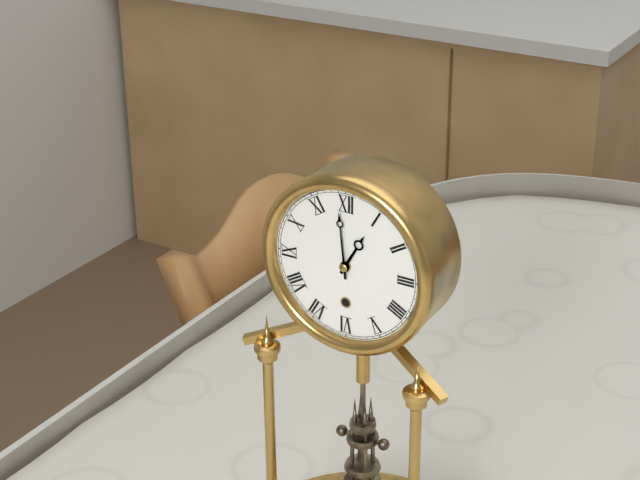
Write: 12:59
